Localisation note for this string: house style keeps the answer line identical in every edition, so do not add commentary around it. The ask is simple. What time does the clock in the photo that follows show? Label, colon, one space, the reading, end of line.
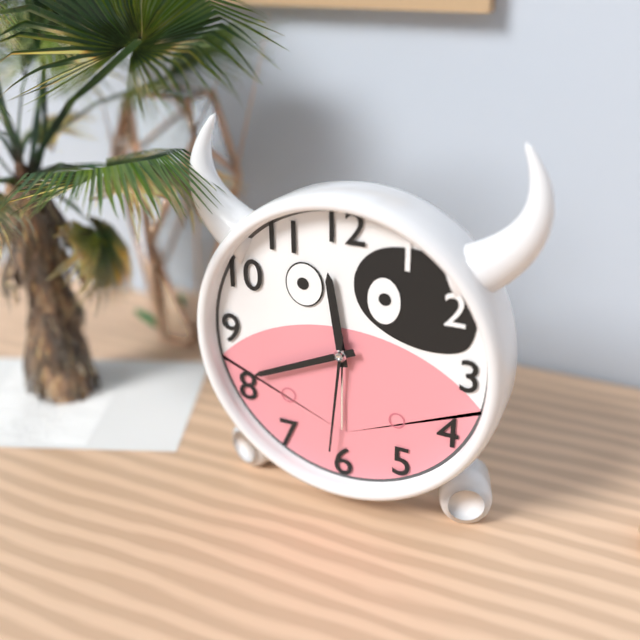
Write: 11:41:31
